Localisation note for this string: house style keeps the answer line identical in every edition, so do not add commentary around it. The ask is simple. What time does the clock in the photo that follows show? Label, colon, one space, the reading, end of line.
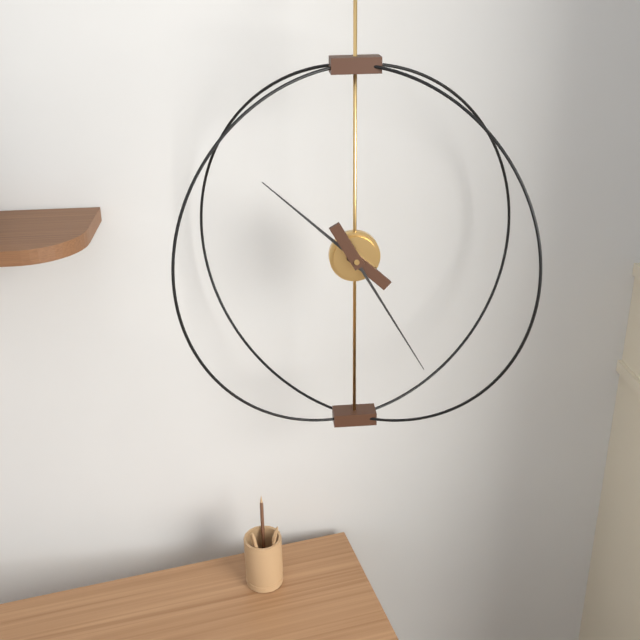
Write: 10:25
